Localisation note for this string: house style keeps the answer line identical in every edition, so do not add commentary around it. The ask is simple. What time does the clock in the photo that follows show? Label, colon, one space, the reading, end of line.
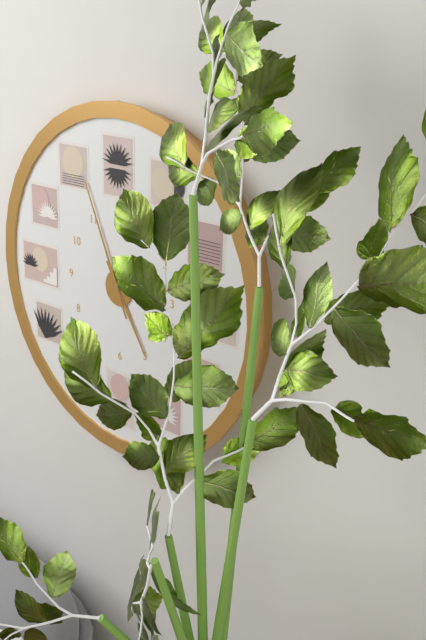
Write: 4:56
